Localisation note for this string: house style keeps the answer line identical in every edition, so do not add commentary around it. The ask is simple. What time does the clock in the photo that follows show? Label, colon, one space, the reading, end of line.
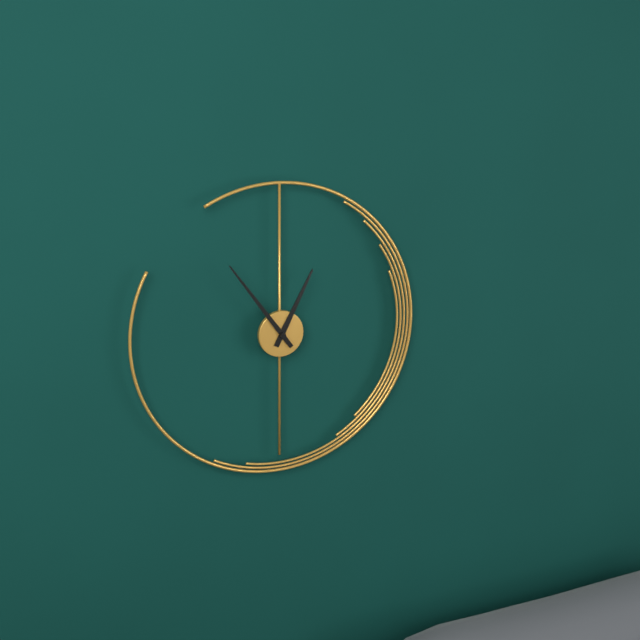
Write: 12:54
